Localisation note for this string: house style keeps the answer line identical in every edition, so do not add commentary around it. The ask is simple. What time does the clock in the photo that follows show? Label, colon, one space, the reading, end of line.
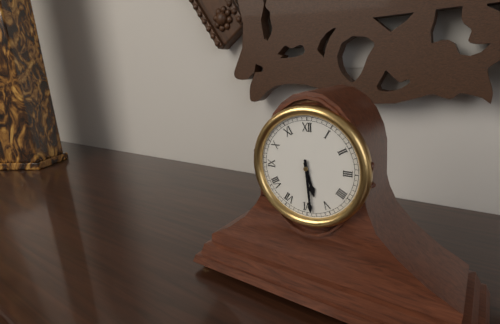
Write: 5:29
